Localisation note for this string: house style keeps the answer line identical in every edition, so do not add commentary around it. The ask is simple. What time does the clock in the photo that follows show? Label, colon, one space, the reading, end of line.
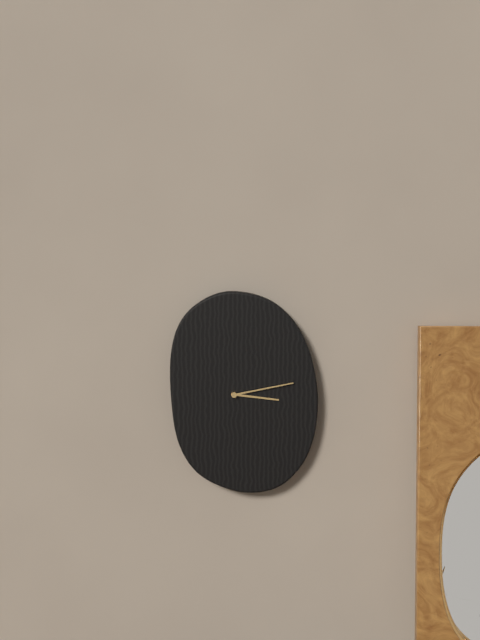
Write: 3:13
